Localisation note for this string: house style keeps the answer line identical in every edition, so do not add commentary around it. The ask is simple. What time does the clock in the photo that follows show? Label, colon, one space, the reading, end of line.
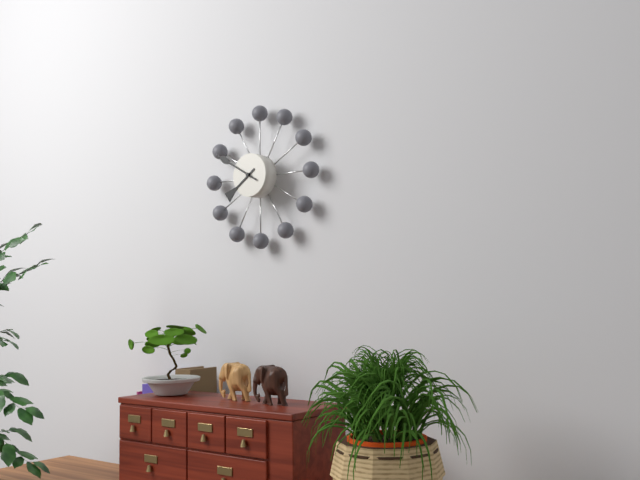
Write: 7:50
